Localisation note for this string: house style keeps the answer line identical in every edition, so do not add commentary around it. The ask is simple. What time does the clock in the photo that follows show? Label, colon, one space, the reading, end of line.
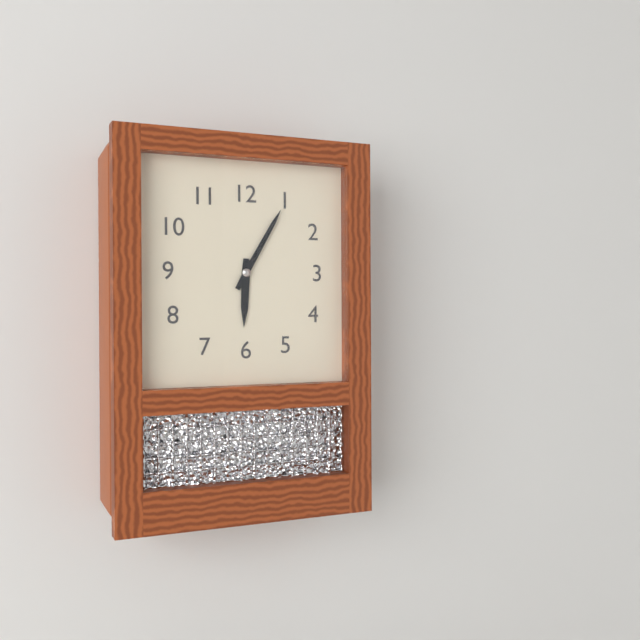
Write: 6:05
